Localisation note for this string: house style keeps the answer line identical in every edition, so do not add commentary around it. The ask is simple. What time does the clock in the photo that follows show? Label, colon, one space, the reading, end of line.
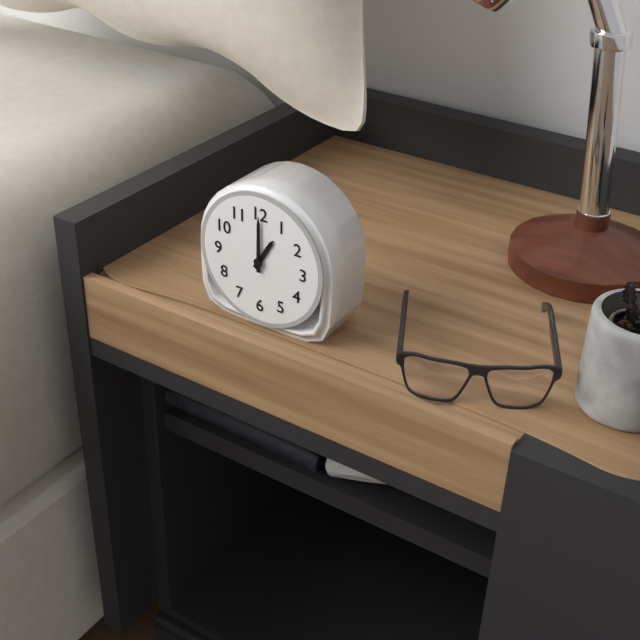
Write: 1:00
